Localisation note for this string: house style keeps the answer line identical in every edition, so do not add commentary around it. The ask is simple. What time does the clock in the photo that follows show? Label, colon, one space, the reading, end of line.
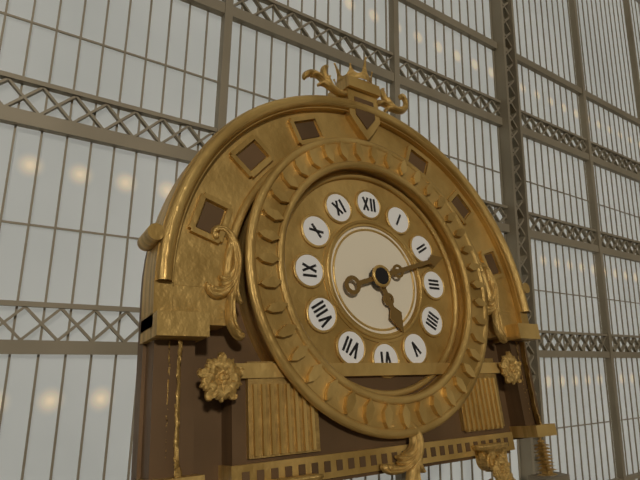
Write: 5:12
